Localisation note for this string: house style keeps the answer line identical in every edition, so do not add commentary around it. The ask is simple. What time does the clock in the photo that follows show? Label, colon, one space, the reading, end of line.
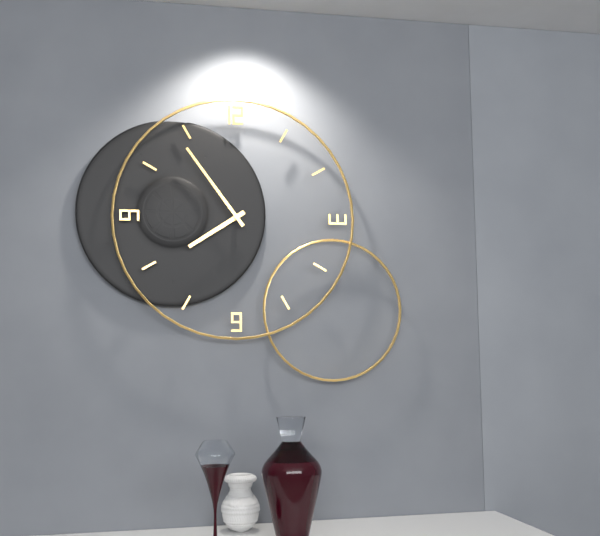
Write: 7:54
